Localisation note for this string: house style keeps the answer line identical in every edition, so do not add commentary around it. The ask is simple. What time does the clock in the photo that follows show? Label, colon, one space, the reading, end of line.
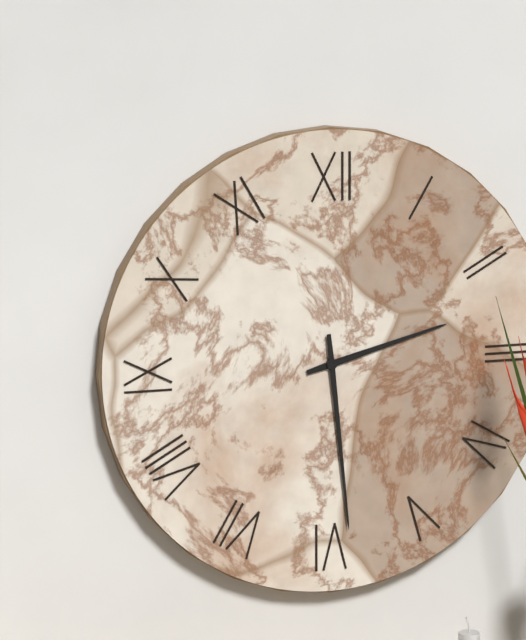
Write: 2:29
